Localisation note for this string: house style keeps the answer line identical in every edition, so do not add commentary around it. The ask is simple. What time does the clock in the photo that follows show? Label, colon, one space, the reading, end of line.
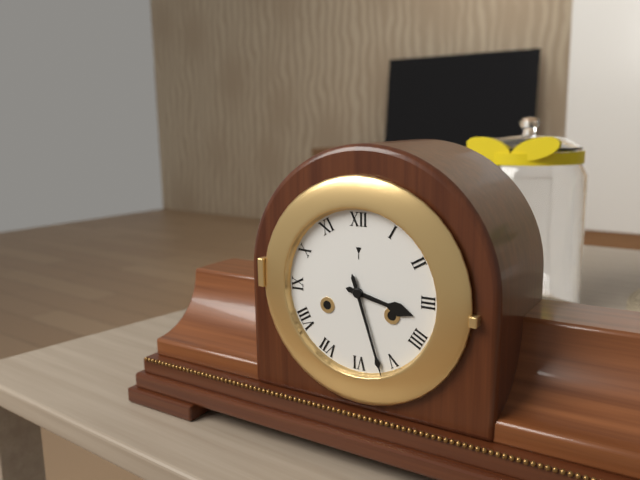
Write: 3:27
